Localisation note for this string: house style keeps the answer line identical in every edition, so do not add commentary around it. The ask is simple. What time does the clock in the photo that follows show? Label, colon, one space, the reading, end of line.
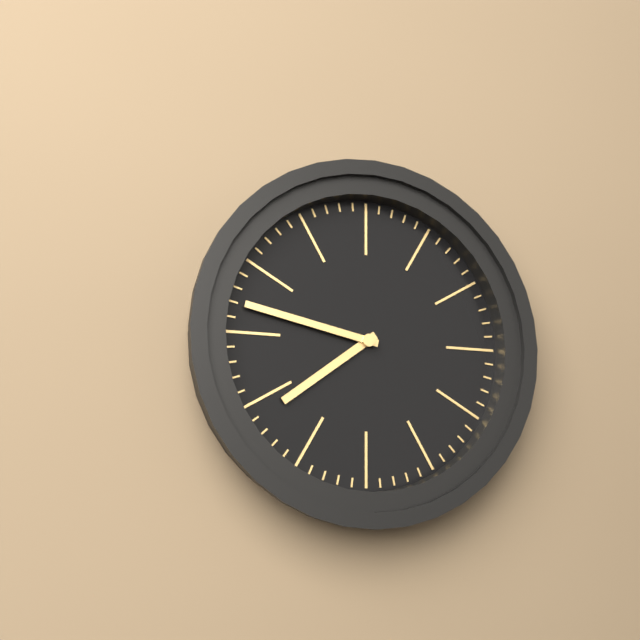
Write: 7:47
